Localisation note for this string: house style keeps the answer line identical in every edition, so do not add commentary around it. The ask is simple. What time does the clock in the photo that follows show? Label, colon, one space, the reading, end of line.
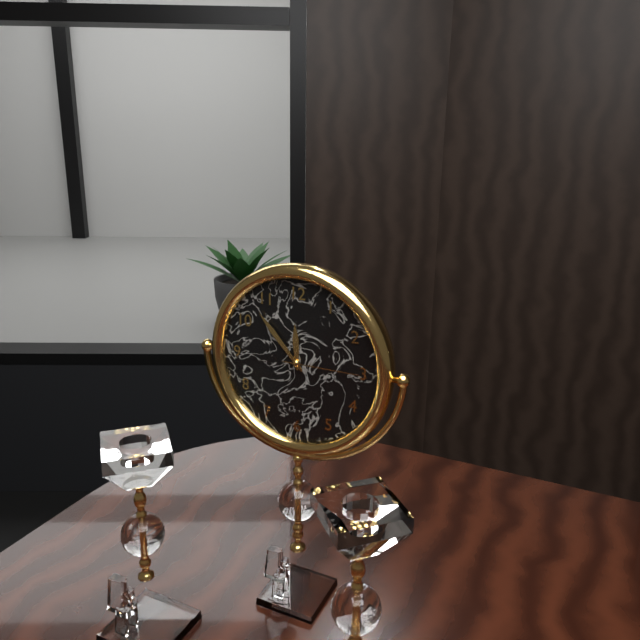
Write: 11:53:15
